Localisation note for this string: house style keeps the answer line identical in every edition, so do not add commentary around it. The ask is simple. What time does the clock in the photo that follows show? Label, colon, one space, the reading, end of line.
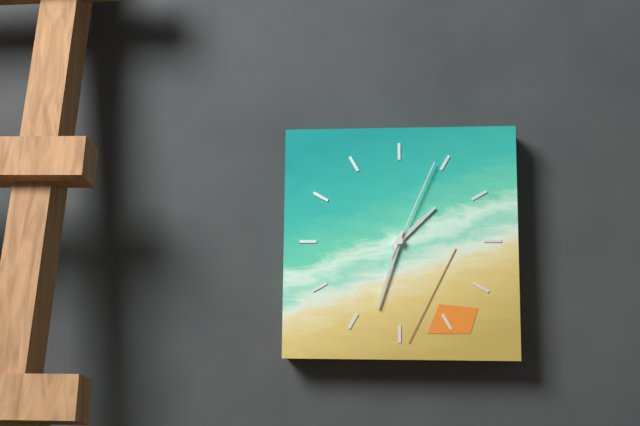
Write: 1:33:04
